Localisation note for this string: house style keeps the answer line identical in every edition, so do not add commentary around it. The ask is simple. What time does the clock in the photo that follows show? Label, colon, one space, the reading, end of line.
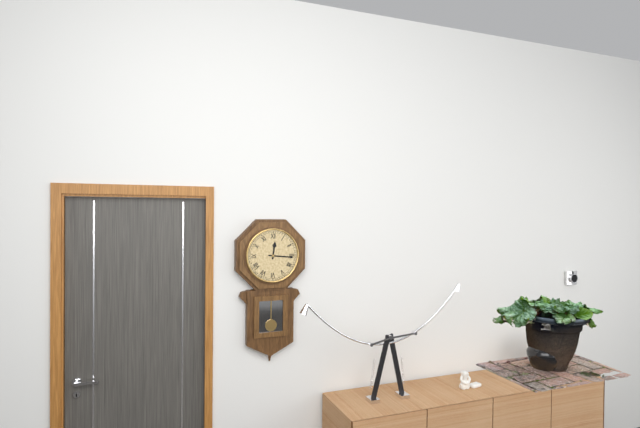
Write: 12:16
